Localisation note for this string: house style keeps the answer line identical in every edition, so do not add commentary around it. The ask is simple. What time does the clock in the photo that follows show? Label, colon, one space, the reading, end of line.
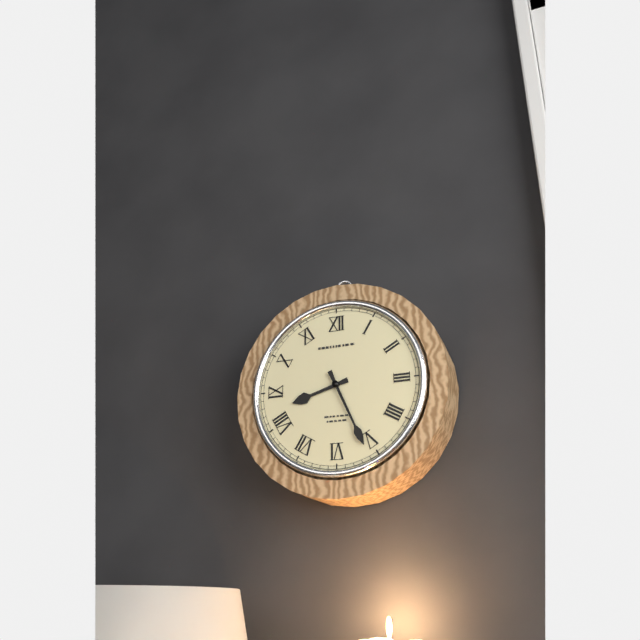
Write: 8:26
